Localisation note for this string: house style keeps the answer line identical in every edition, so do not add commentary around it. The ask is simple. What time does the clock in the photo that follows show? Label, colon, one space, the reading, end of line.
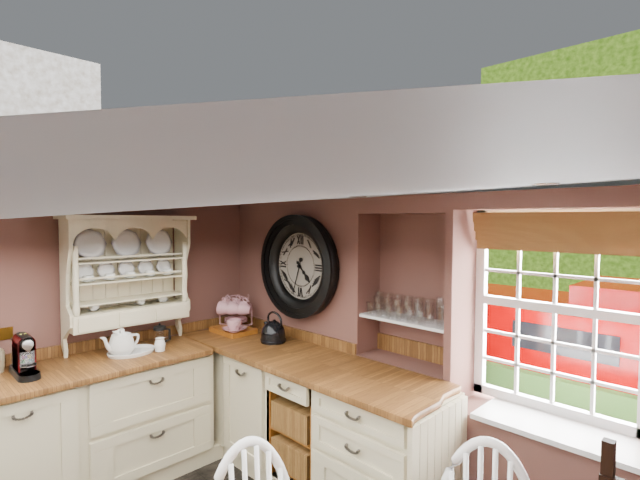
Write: 4:33
